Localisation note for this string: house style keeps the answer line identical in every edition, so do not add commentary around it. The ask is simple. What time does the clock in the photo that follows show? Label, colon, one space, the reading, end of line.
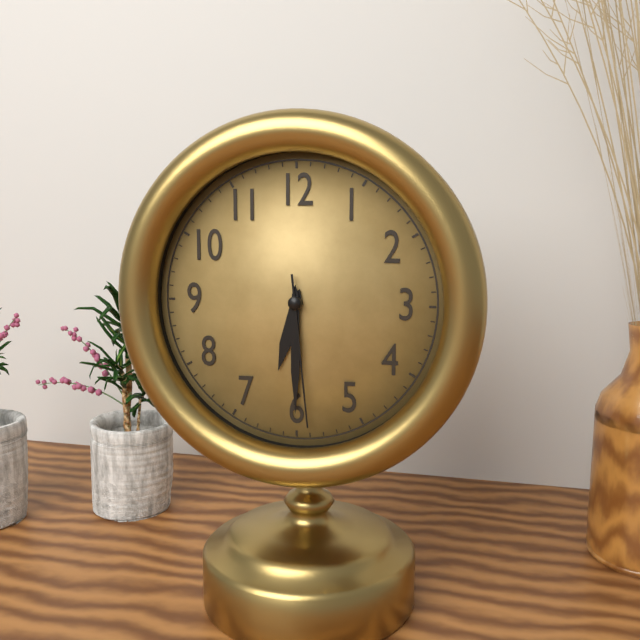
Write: 6:30:29
